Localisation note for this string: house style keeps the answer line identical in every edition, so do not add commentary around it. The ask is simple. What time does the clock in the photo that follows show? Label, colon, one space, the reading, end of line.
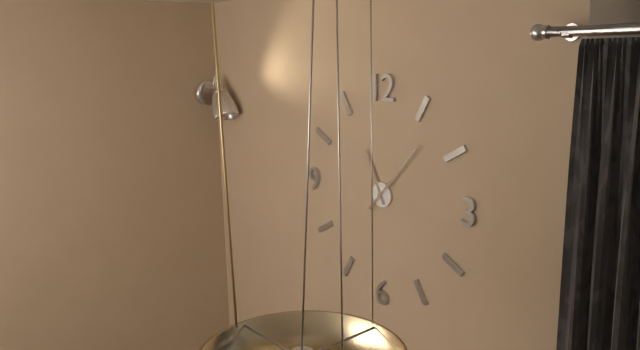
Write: 11:07
